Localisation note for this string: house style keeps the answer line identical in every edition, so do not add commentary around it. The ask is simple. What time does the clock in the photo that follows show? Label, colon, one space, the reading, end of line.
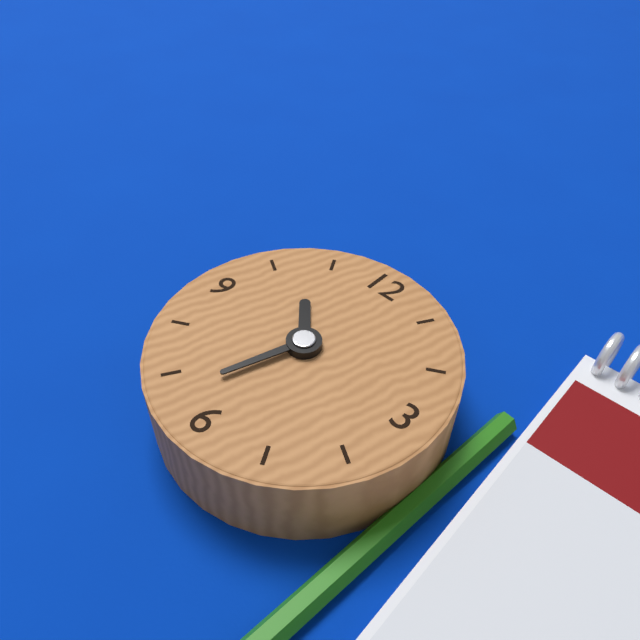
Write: 10:33
